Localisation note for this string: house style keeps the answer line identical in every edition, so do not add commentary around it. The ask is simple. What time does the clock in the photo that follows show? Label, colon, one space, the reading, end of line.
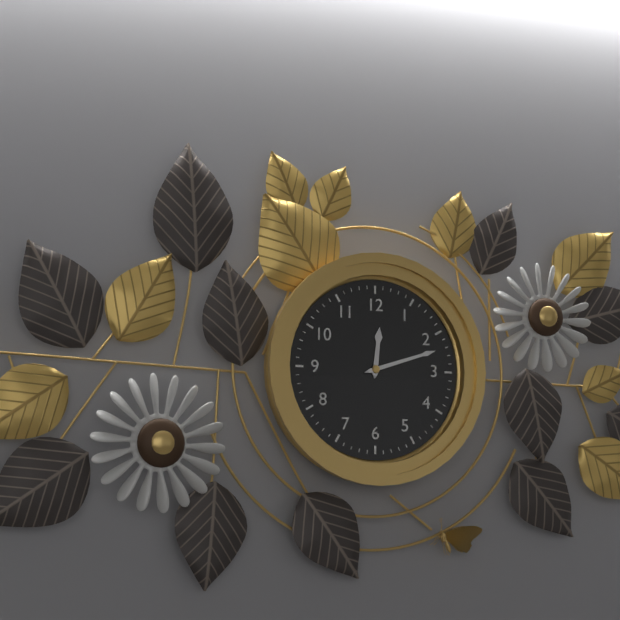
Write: 12:12
